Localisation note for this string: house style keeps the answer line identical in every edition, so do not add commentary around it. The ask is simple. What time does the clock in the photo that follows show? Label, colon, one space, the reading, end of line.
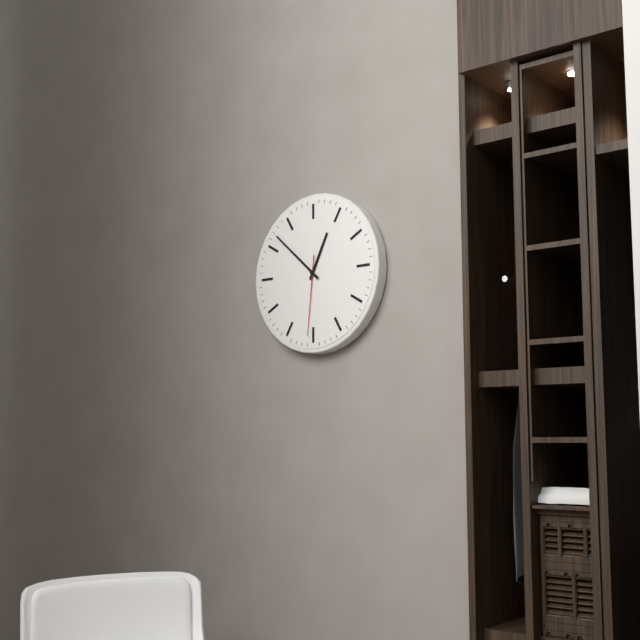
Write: 12:52:31
